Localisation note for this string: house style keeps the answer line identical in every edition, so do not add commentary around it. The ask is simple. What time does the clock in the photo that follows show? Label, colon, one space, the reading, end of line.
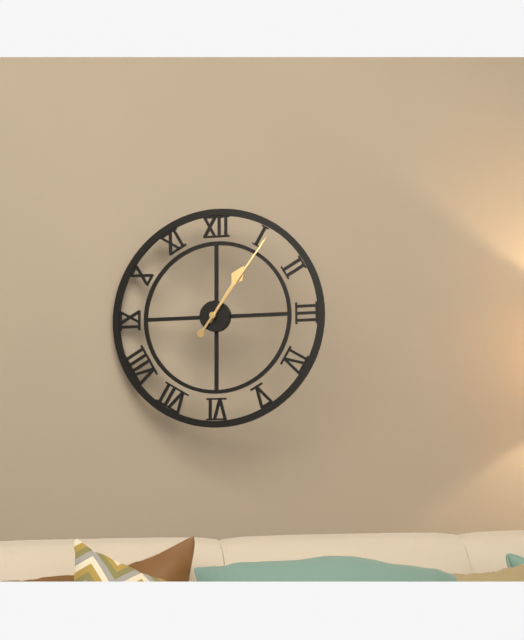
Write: 1:06
